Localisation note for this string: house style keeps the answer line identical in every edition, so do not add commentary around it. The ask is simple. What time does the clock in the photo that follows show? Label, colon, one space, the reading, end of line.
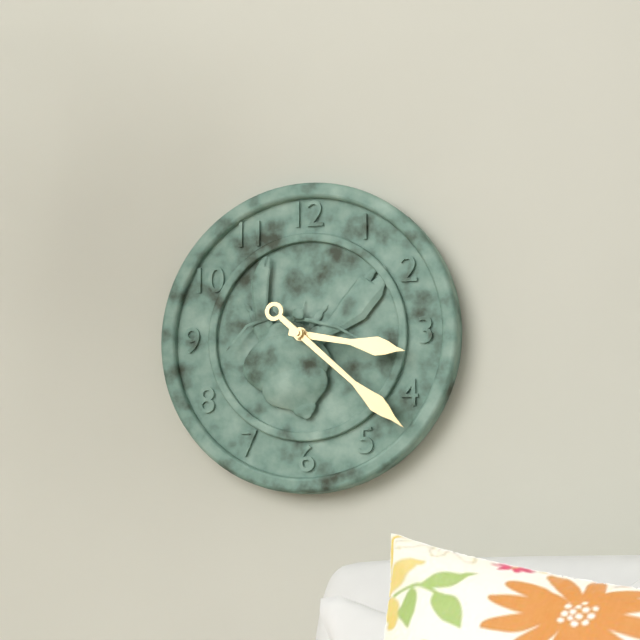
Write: 3:22
